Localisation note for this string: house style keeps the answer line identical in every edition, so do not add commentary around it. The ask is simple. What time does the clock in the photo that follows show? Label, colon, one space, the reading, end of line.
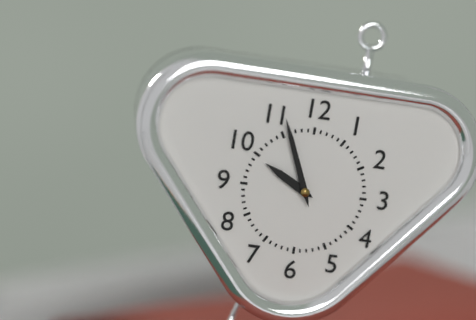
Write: 9:56
